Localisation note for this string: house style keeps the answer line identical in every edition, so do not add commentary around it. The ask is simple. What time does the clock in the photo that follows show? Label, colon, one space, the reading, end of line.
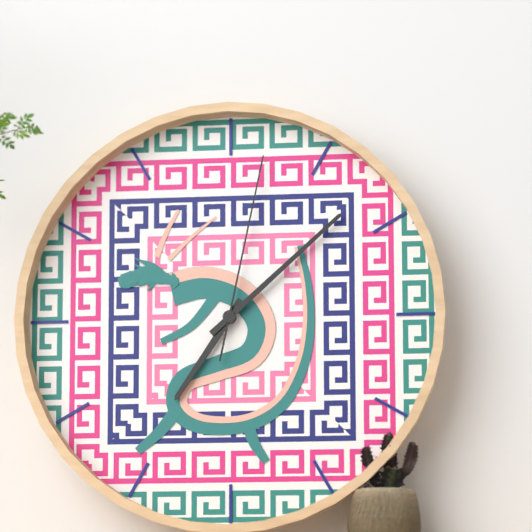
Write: 7:08:02
